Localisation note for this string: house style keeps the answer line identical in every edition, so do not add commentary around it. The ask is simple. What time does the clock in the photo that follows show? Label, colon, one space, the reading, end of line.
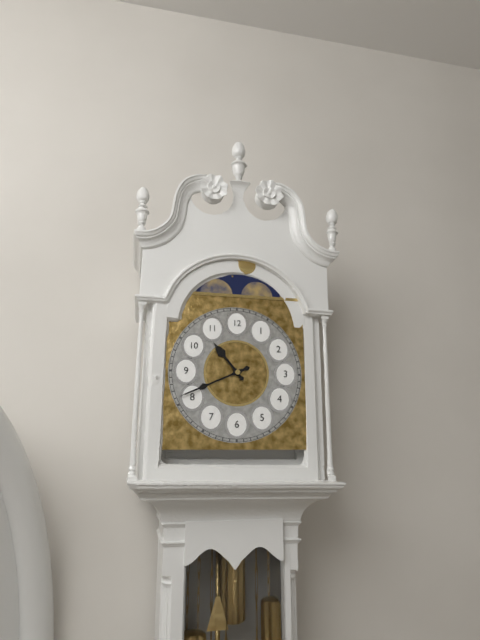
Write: 10:41
